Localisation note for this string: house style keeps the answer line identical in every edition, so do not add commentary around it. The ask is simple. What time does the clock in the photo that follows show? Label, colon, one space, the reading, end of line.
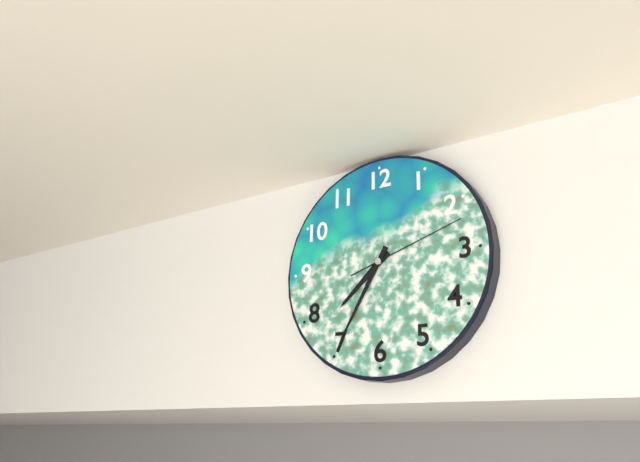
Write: 7:35:12
